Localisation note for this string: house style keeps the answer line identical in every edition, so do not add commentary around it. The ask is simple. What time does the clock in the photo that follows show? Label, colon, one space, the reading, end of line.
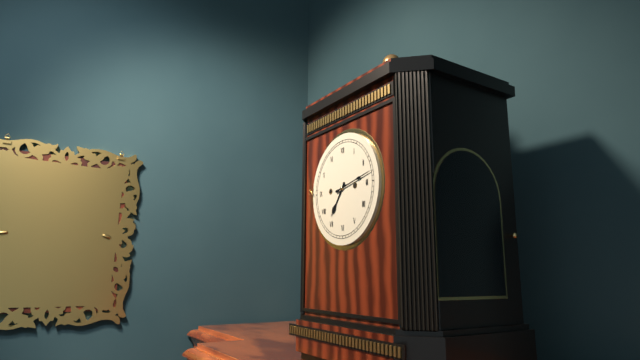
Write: 7:13
